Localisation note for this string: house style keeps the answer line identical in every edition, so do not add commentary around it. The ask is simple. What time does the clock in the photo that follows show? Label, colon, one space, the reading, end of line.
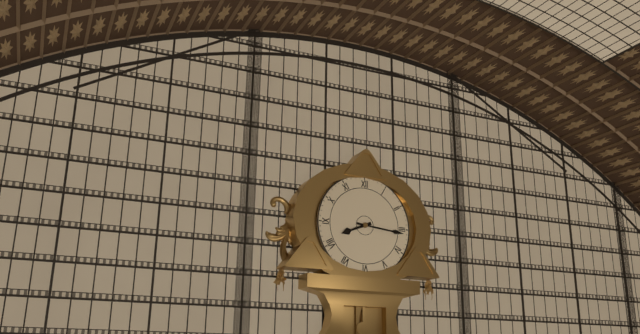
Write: 8:16
